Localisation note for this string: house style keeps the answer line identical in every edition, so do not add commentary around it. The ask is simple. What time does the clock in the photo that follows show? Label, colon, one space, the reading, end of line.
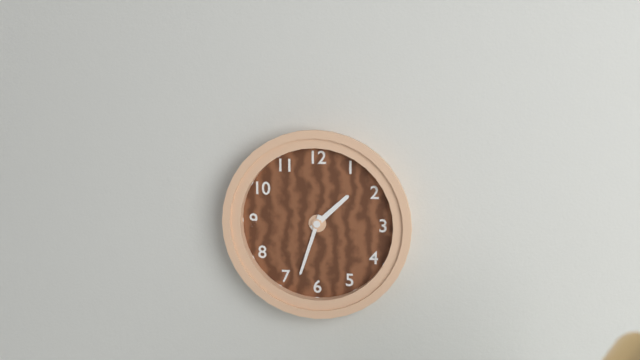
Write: 1:33
